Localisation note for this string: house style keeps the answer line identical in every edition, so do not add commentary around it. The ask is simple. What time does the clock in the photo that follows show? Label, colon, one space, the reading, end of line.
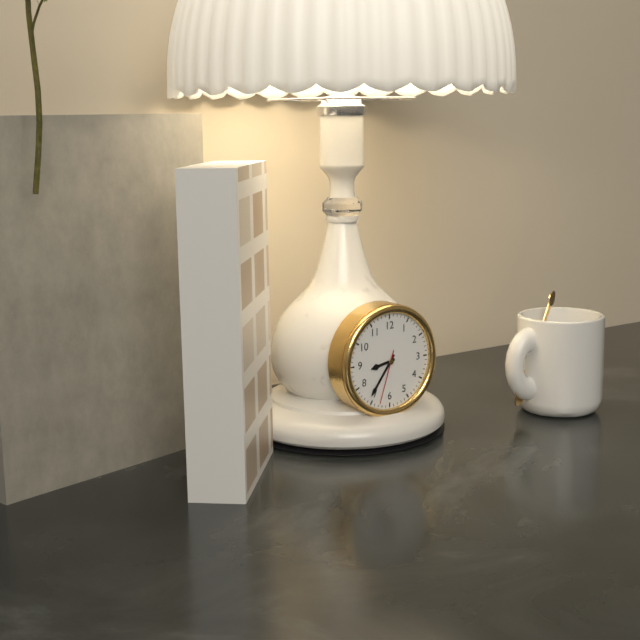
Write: 8:36:33
